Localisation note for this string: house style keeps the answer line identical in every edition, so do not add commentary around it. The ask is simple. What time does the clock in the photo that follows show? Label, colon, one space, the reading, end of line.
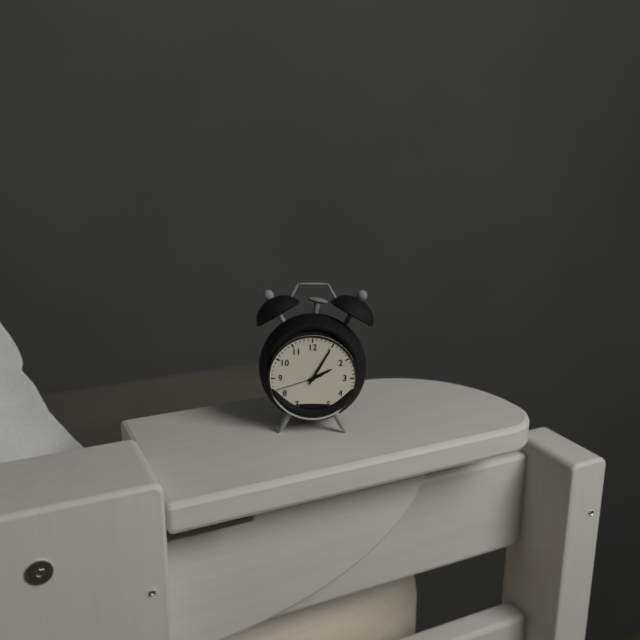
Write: 2:05
